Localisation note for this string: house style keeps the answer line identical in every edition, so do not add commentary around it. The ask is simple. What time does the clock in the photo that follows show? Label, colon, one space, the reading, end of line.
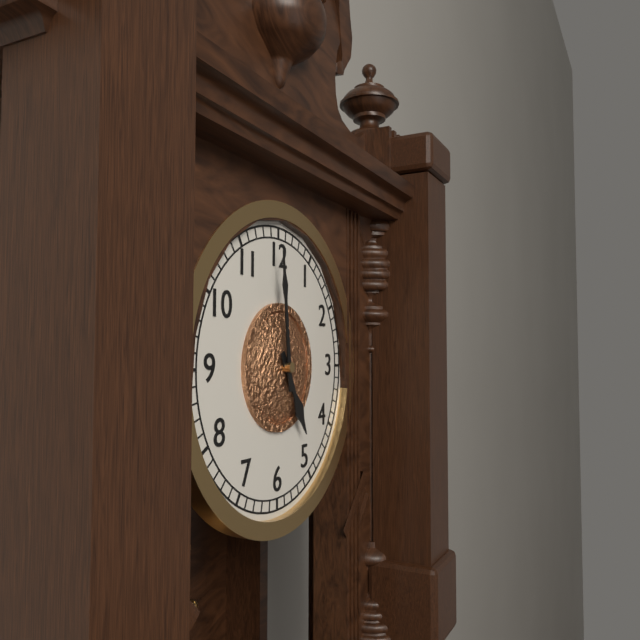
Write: 4:59
